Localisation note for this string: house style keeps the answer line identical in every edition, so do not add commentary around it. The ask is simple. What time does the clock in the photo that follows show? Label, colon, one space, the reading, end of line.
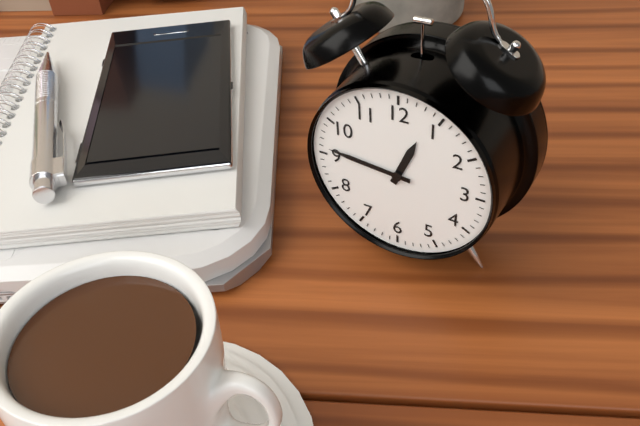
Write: 12:46
